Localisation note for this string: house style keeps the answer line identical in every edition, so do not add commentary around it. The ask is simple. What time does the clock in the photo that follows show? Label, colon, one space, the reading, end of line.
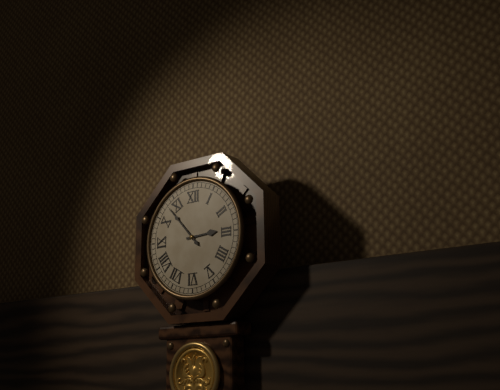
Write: 2:53
